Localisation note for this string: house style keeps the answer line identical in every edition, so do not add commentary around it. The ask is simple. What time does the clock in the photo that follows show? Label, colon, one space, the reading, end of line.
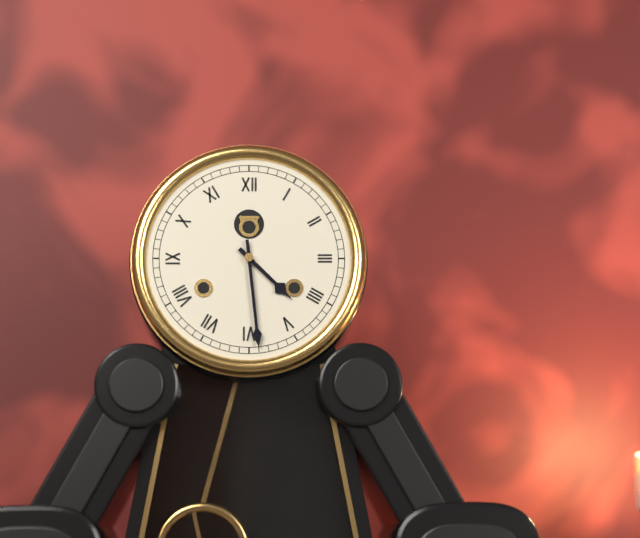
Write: 4:29
